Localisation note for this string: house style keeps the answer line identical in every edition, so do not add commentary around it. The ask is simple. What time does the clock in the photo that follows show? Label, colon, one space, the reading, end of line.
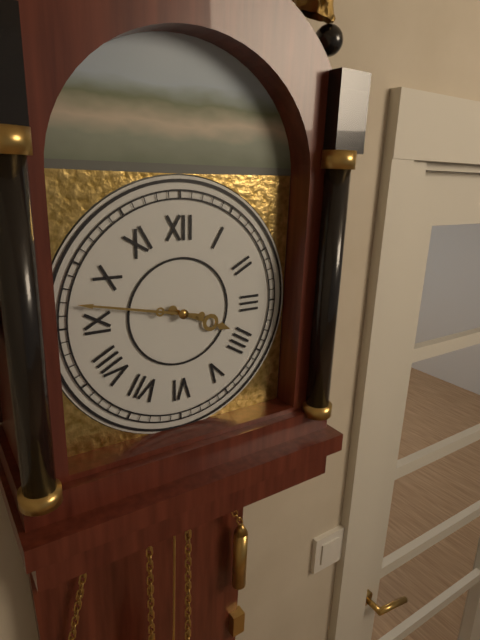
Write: 3:47
